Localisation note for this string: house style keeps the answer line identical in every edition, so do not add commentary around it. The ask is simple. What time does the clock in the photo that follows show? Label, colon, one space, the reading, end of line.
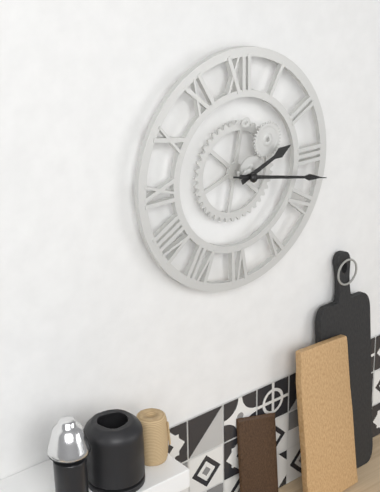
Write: 2:17:17
